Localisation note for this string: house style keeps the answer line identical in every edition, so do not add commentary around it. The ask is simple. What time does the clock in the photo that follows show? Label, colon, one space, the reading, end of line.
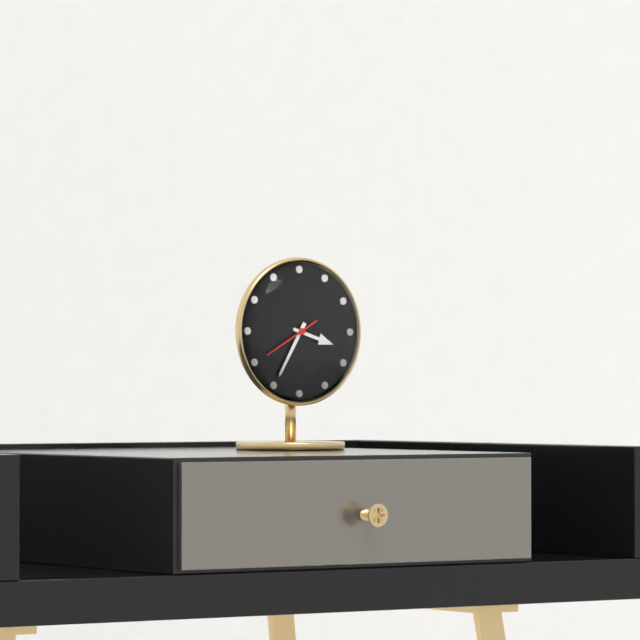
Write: 3:35:40
